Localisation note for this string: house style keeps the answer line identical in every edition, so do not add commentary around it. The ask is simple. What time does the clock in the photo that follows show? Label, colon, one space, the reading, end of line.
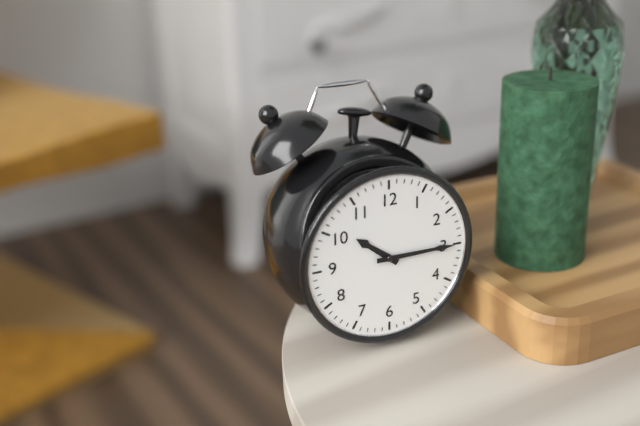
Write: 10:15
